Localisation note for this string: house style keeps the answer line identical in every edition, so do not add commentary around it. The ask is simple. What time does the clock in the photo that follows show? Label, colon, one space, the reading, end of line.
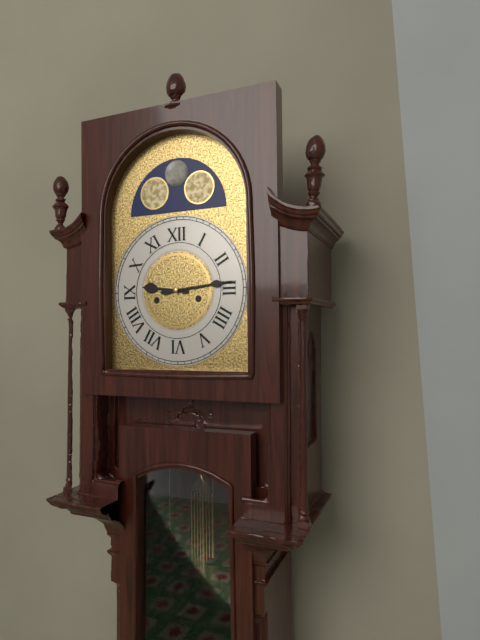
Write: 9:14
